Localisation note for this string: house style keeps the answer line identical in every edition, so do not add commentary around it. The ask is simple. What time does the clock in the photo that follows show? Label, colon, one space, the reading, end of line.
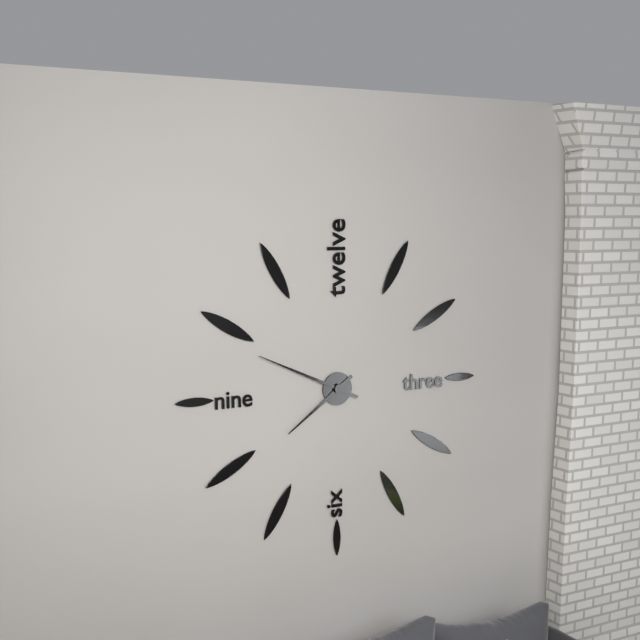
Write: 7:49
